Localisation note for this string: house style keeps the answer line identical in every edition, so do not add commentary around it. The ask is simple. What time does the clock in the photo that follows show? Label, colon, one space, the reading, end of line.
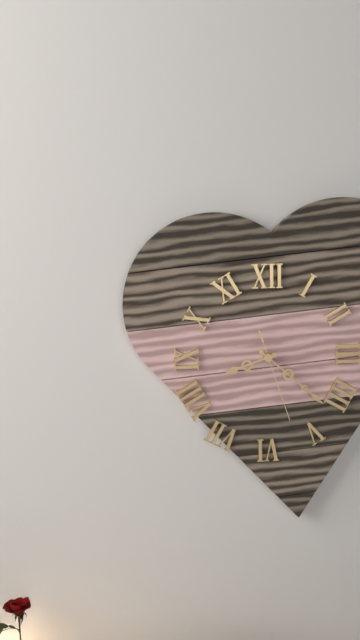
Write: 8:22:27
